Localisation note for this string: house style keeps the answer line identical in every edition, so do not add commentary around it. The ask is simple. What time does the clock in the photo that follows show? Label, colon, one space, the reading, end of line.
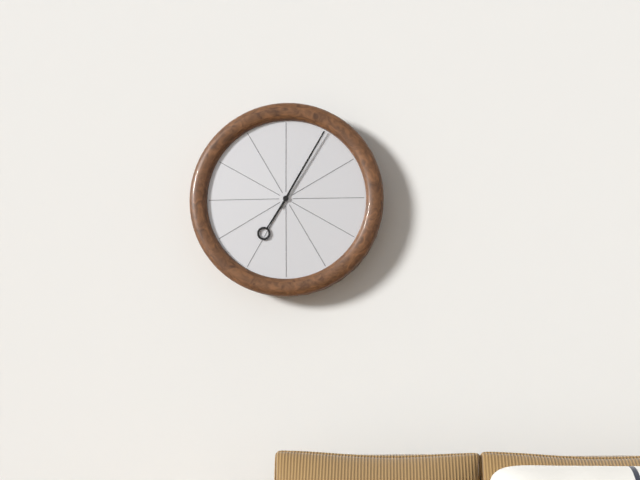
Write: 7:05
